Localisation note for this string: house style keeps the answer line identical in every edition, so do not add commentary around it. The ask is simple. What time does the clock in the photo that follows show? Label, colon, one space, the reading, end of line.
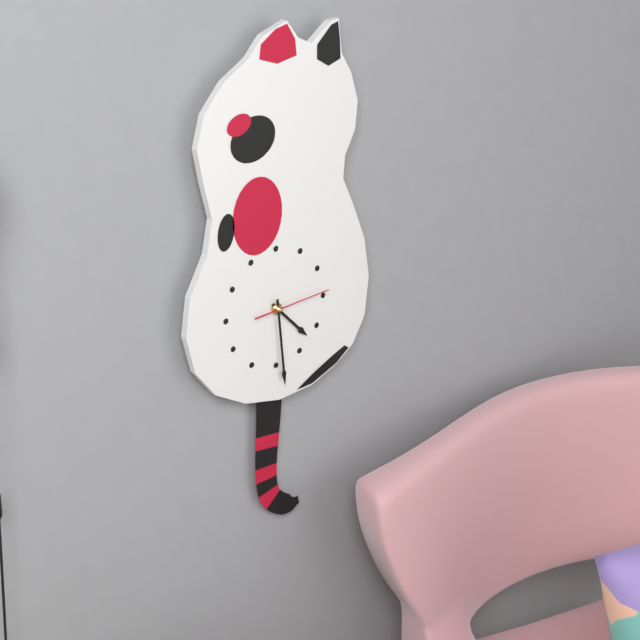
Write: 4:29:14
